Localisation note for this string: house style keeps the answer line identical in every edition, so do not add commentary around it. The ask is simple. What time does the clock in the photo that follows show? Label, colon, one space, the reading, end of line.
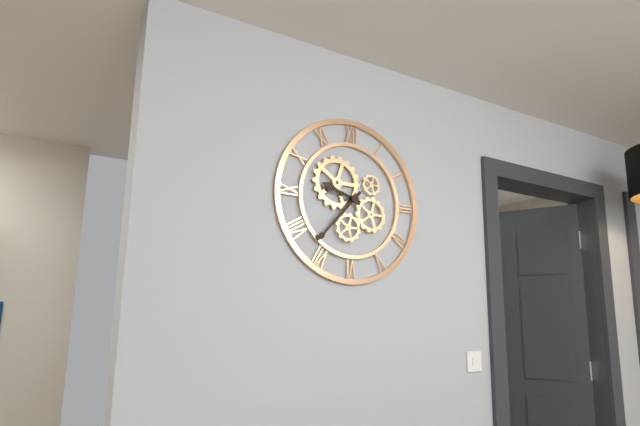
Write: 9:37
